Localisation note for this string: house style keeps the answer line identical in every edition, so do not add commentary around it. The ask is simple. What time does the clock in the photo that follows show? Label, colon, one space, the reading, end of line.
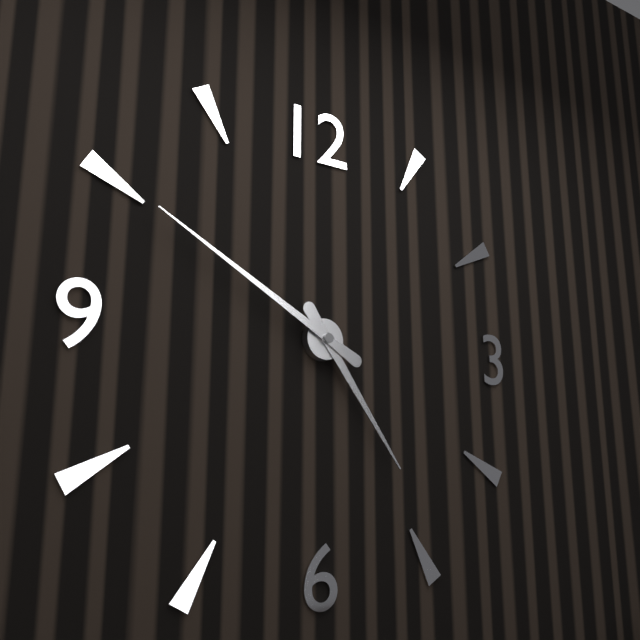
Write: 4:50
